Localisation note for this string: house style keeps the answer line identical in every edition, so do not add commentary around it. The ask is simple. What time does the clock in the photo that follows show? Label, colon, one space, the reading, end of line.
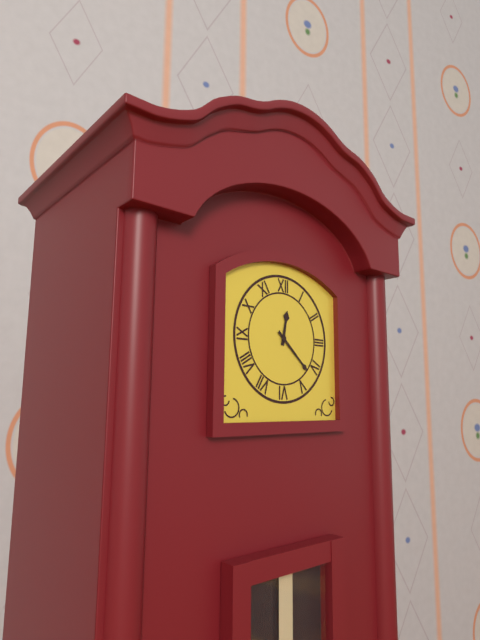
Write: 12:22
